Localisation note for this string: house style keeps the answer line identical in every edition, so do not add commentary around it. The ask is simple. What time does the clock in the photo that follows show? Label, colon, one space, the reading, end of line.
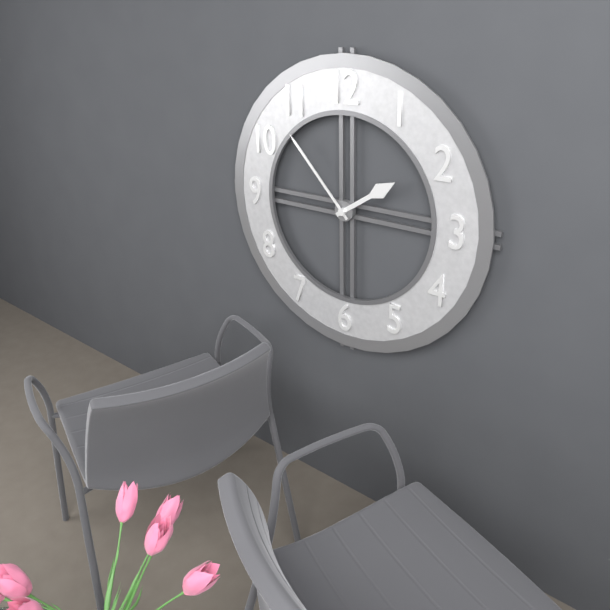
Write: 1:53
